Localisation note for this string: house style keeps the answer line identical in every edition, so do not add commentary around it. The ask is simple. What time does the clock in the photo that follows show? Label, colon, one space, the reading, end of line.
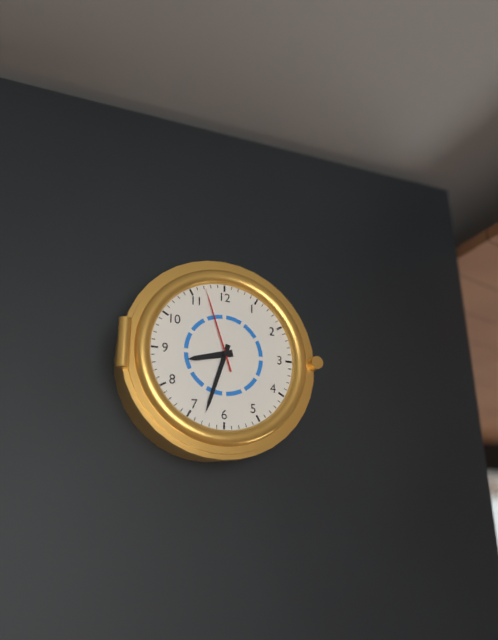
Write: 8:33:57
